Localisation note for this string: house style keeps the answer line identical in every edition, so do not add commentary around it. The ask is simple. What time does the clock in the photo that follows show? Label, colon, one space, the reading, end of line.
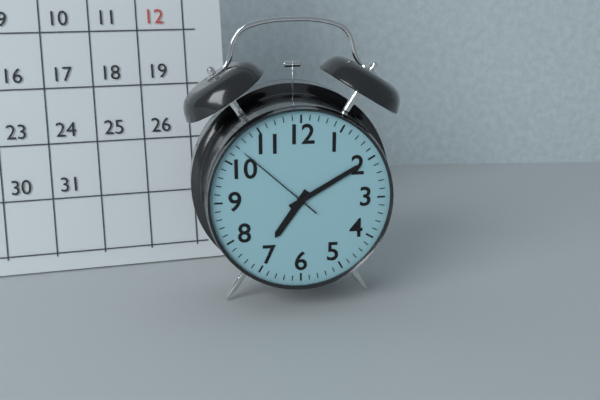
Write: 7:10:52
